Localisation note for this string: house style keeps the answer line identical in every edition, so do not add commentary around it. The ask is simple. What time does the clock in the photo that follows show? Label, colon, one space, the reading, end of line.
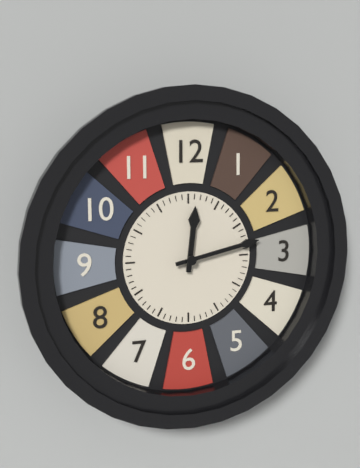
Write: 12:13
